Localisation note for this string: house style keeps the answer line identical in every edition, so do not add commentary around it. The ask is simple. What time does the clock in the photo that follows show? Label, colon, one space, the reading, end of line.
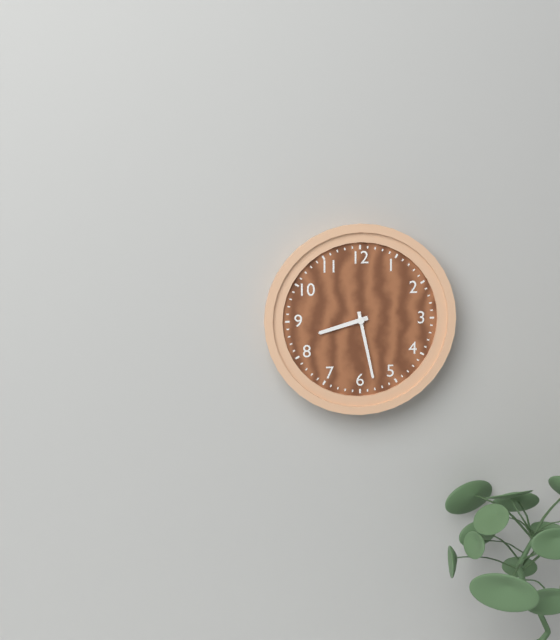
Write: 8:28
